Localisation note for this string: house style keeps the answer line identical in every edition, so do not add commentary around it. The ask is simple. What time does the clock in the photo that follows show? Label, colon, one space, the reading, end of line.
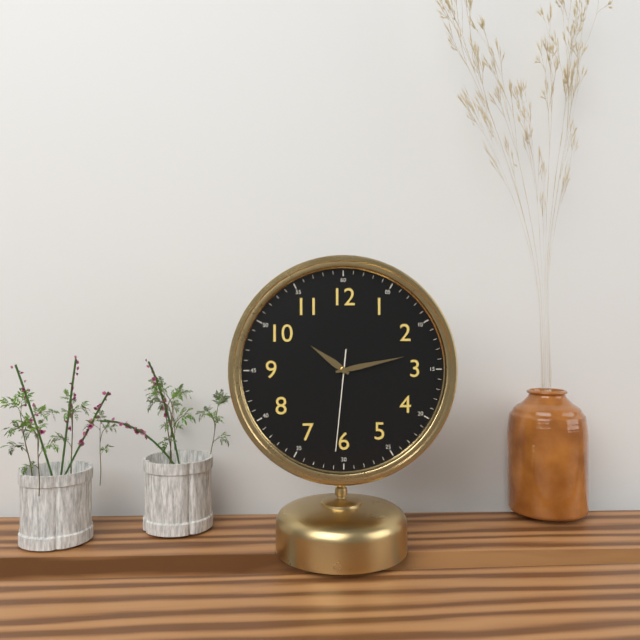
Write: 10:13:31
